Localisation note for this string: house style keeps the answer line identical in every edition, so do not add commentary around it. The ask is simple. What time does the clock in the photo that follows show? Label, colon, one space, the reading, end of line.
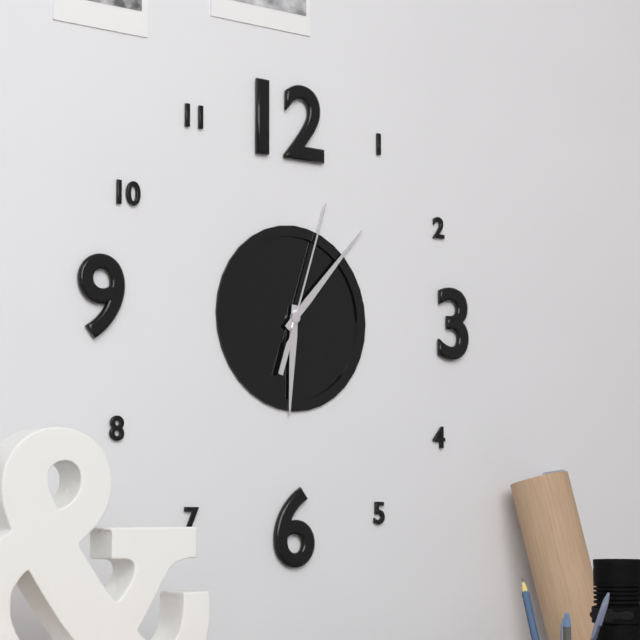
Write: 6:07:03
